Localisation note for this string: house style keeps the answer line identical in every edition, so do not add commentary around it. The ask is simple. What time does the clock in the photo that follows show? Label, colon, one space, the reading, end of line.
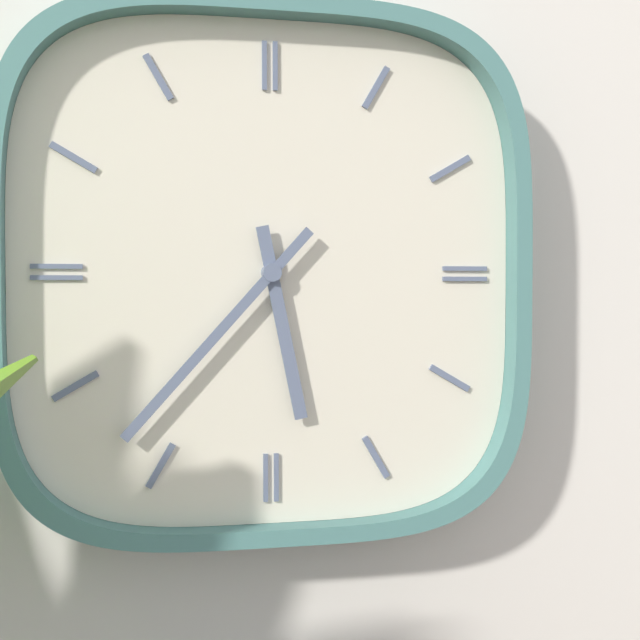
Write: 5:37
